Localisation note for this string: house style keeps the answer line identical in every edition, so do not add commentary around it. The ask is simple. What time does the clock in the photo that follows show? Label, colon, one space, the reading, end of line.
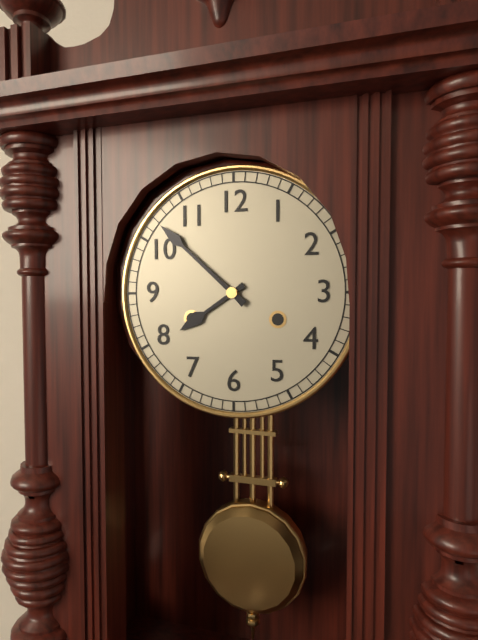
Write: 7:52
